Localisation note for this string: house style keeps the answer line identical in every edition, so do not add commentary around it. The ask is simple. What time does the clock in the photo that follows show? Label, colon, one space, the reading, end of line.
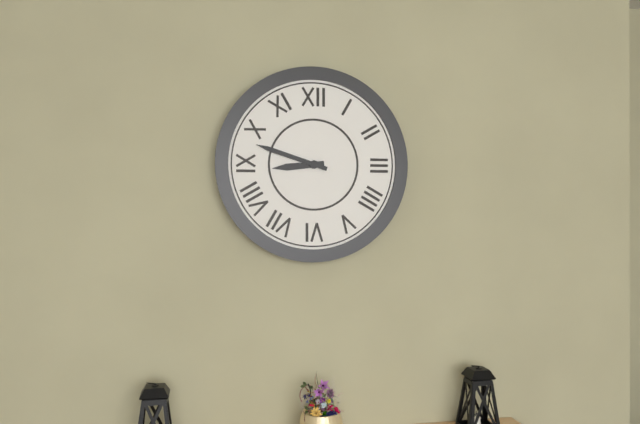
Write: 8:48
